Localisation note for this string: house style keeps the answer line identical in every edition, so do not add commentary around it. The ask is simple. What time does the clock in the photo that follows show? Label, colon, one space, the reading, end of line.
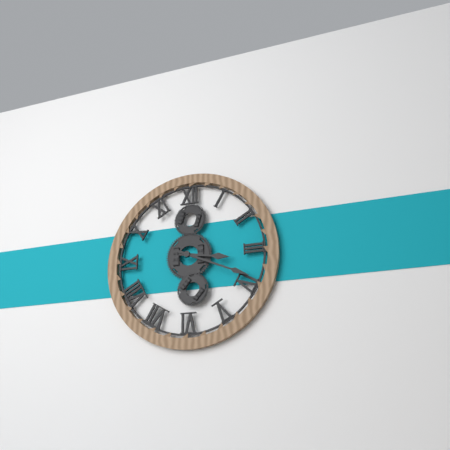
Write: 3:19
